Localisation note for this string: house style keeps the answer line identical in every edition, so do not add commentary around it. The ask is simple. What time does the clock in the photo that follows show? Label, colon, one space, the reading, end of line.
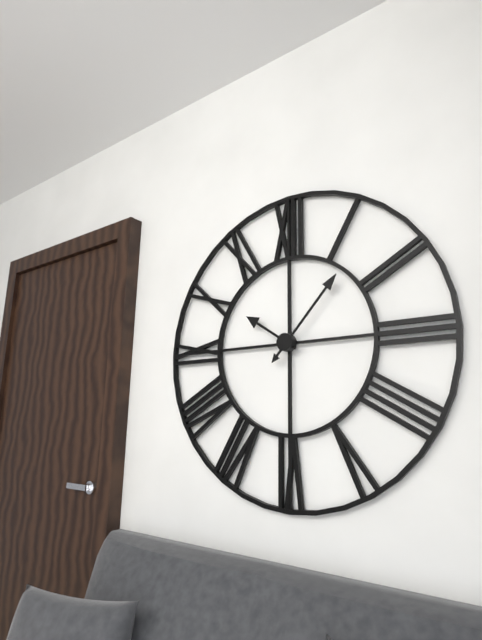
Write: 10:07
